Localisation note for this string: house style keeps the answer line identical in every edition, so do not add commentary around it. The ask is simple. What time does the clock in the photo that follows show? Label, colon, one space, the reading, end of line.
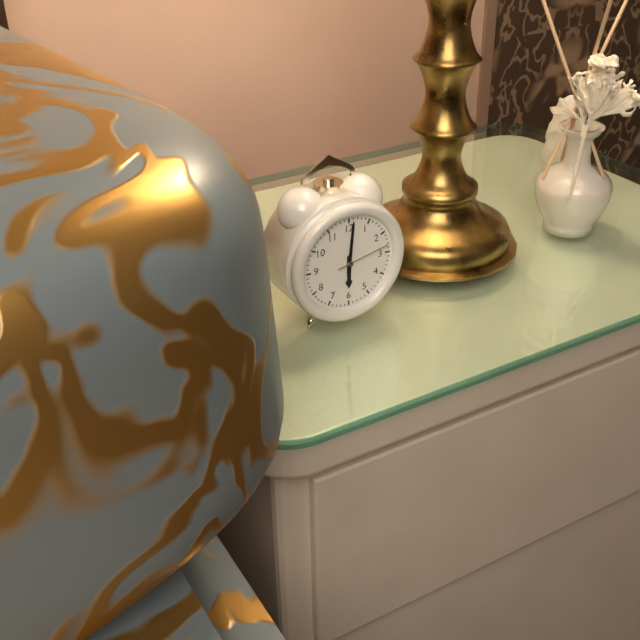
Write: 6:01:13
